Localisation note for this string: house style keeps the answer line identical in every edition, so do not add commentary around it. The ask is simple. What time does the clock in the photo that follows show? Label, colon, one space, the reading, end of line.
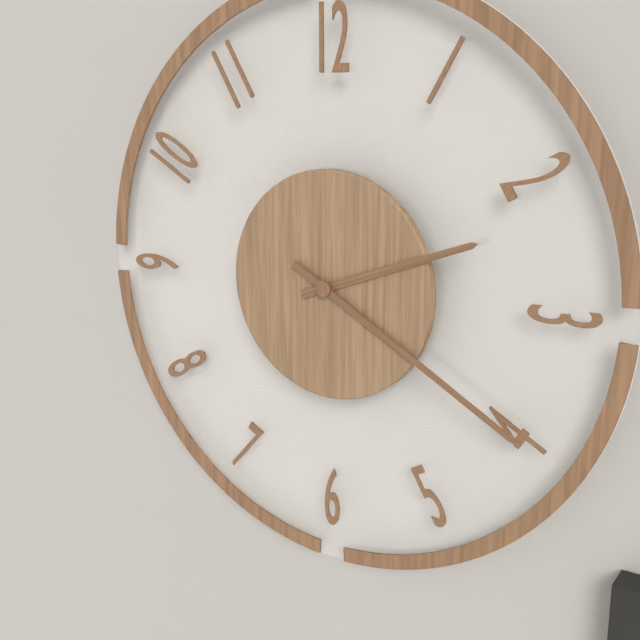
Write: 2:20
